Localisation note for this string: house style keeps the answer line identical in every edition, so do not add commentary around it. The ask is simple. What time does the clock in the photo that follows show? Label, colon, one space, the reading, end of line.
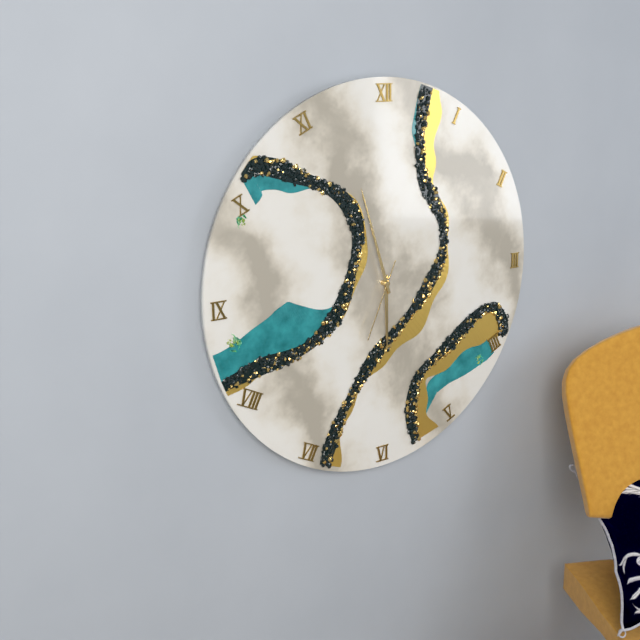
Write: 5:57:34
